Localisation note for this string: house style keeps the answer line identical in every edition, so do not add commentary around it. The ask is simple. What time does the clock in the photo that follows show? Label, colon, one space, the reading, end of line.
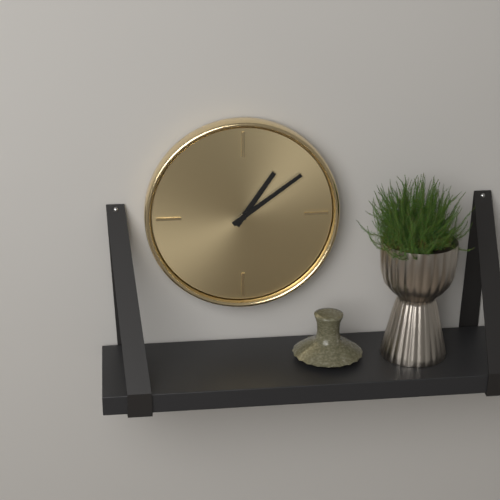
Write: 1:09
